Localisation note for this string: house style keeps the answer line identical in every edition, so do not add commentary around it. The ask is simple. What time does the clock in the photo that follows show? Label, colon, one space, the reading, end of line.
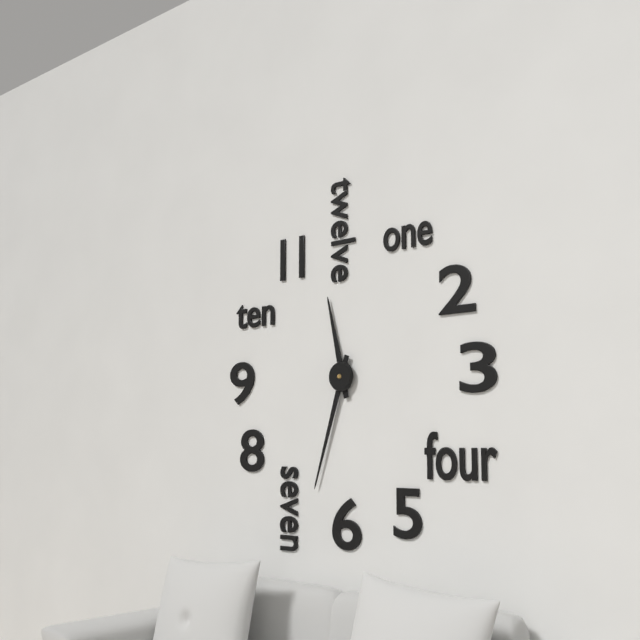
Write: 11:33
